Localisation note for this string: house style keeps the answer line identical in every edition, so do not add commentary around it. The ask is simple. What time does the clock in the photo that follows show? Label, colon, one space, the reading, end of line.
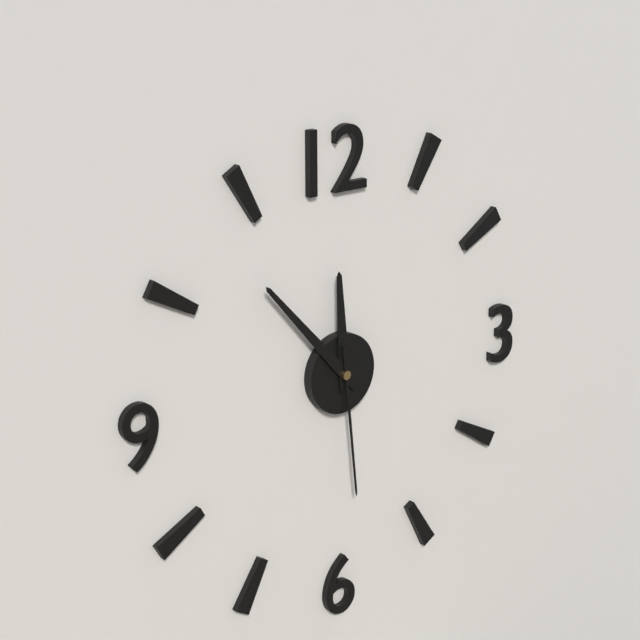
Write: 11:53:29
